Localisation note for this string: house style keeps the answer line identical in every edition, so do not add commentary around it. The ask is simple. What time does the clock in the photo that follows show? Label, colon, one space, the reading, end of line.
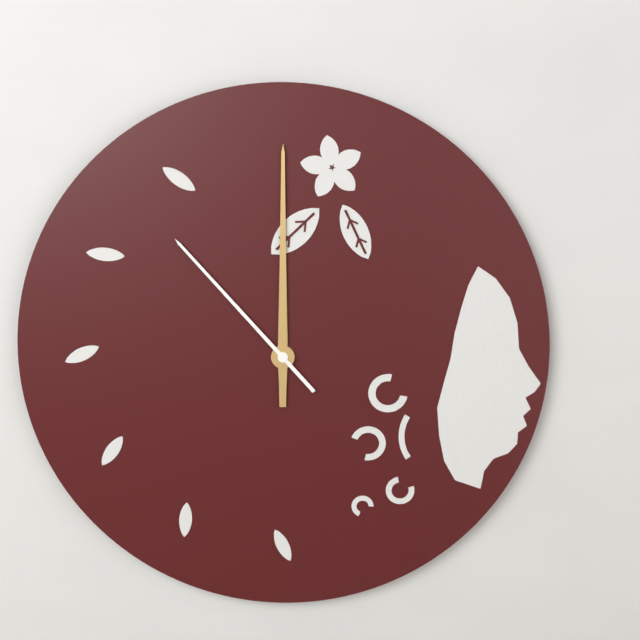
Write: 12:00:53
